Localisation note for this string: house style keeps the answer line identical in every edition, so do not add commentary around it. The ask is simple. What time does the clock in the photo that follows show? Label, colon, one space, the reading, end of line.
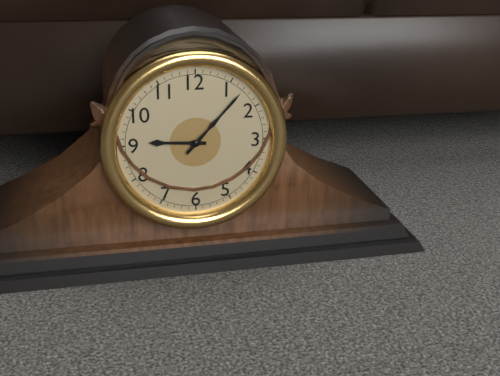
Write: 9:07
